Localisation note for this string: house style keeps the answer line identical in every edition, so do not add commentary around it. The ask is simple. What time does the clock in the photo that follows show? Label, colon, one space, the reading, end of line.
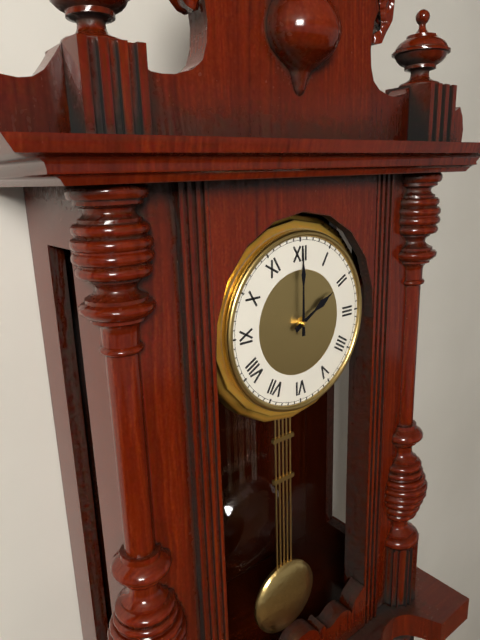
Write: 2:00
